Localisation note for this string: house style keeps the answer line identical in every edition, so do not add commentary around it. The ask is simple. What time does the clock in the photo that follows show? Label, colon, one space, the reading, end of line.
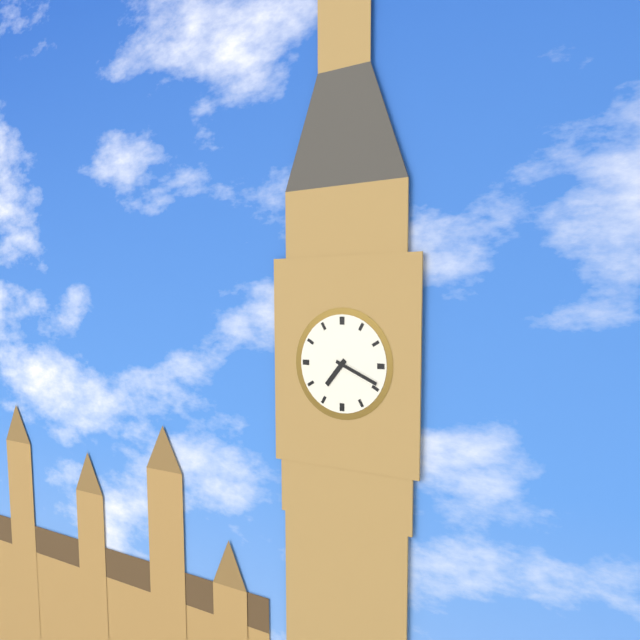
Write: 7:19
